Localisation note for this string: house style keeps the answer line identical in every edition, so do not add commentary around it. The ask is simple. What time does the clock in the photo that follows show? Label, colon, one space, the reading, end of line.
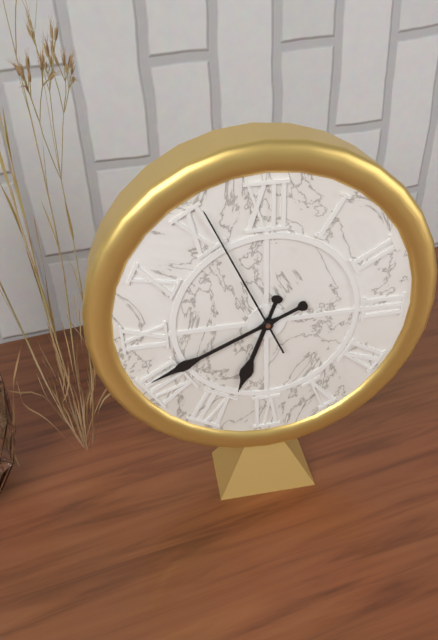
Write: 6:41:56
